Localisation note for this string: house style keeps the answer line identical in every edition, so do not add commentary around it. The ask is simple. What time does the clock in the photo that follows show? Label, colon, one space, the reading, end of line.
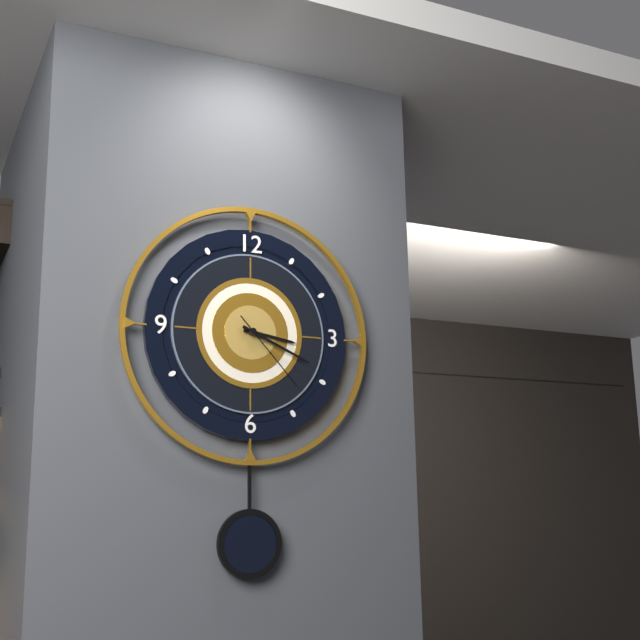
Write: 3:19:23
